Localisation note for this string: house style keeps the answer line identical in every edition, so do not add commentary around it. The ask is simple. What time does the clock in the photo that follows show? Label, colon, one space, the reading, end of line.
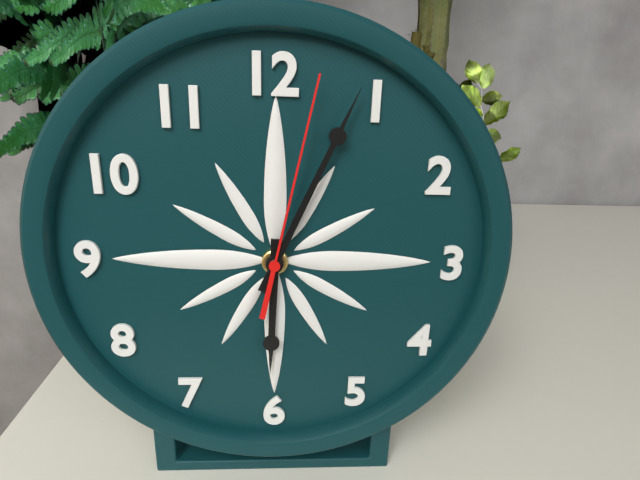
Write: 6:04:02
